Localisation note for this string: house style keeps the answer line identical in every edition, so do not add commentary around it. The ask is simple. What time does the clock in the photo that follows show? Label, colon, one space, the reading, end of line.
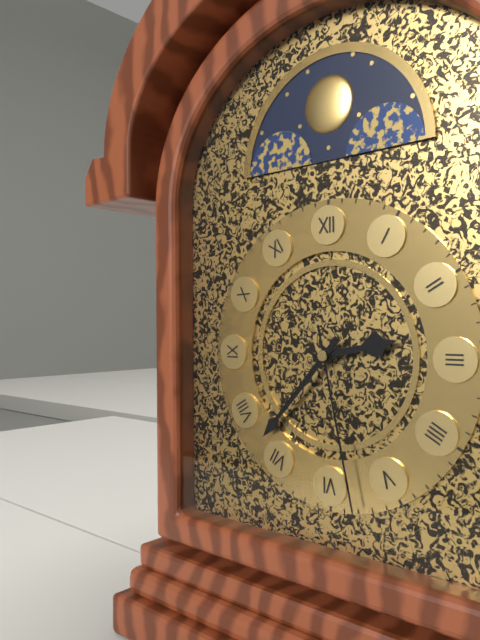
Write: 2:37:28
